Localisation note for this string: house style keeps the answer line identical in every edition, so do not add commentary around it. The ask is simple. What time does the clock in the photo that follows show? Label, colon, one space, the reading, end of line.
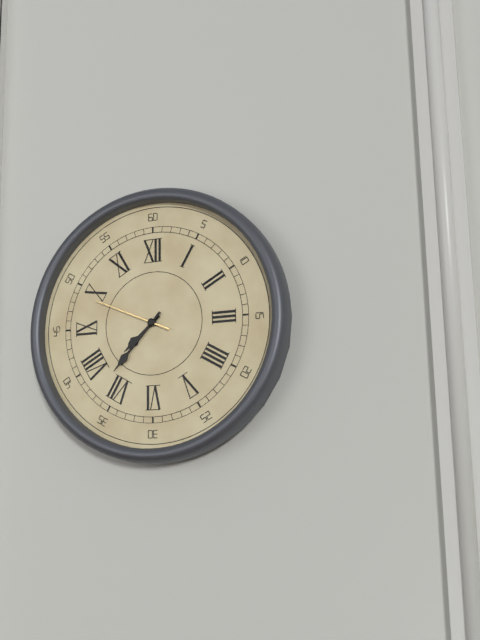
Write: 7:37:49
